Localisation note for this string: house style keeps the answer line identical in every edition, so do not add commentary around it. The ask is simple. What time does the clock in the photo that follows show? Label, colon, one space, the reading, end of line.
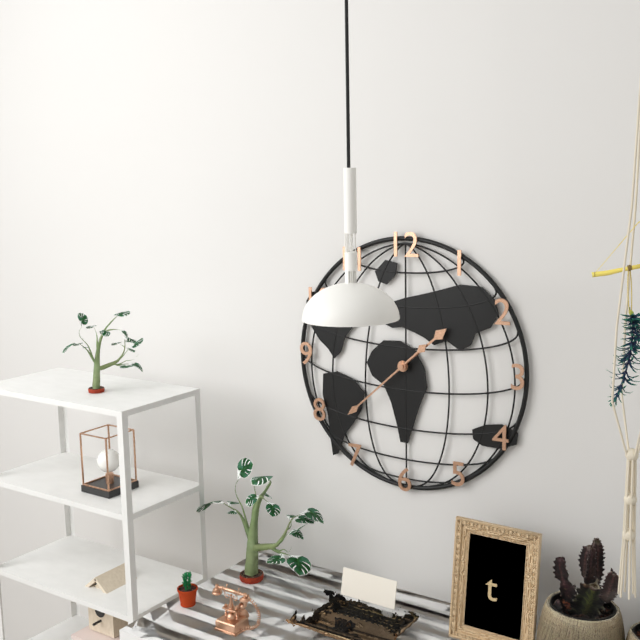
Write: 1:38
